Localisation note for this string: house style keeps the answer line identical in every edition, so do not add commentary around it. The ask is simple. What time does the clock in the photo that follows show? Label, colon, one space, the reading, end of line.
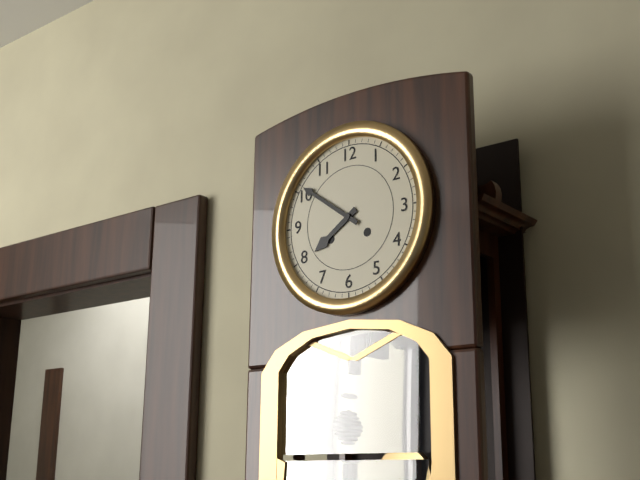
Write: 7:51
